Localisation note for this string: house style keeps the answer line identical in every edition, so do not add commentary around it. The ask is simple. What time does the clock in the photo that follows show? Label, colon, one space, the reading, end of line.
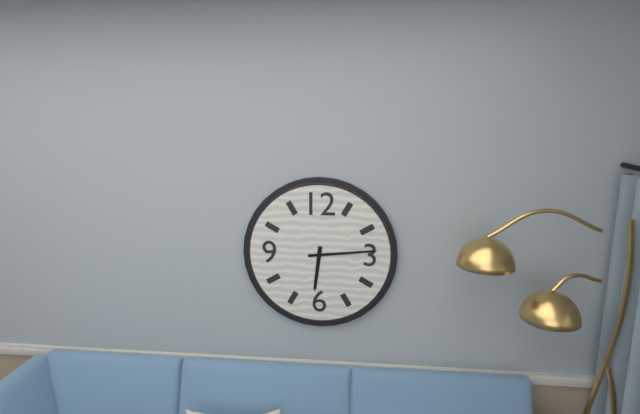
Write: 6:14
